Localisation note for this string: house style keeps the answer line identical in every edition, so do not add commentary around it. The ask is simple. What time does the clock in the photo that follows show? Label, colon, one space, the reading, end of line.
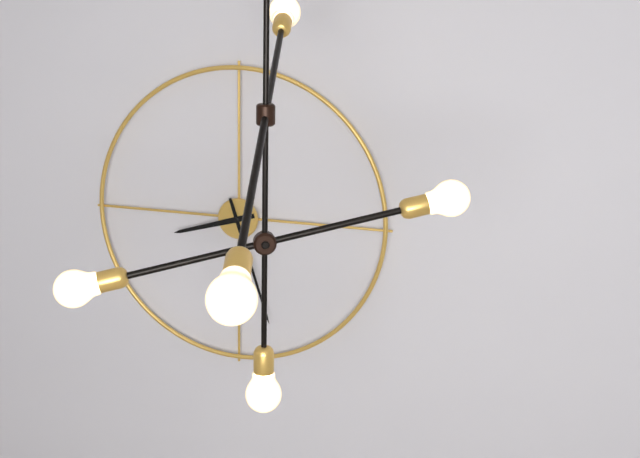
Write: 8:27
